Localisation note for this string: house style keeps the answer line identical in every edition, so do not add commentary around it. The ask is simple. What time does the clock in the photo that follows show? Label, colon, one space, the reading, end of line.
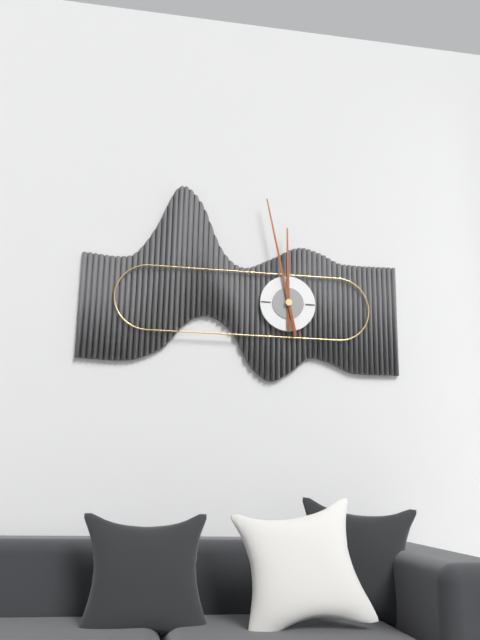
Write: 11:58
